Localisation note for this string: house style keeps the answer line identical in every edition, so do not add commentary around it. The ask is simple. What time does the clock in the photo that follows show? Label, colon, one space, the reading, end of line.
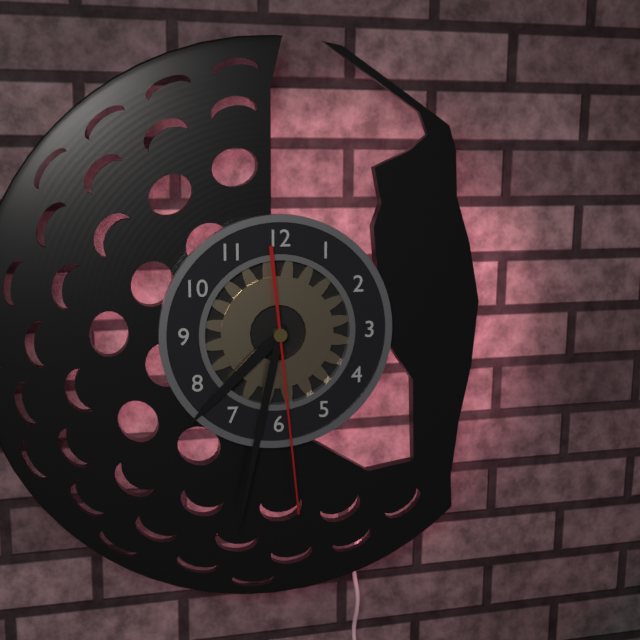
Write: 7:32:29
